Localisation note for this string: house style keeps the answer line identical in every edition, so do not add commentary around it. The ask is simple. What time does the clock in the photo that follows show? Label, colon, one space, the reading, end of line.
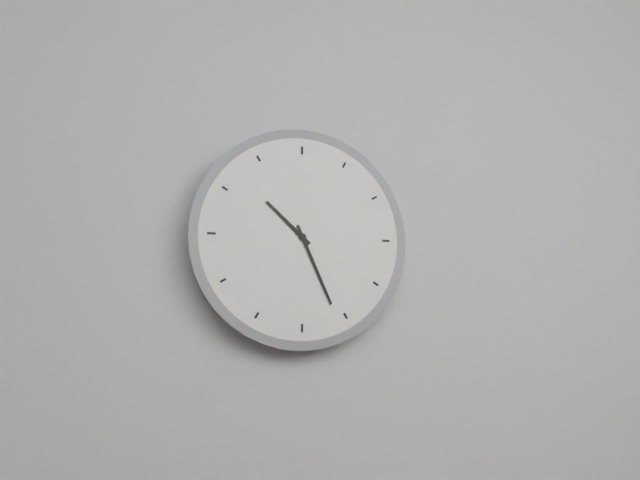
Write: 10:26
